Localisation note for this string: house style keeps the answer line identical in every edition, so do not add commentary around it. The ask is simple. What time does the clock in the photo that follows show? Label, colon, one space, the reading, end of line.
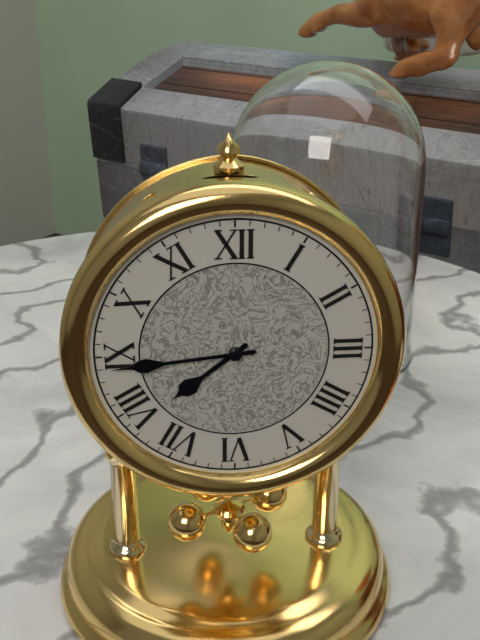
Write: 7:44
